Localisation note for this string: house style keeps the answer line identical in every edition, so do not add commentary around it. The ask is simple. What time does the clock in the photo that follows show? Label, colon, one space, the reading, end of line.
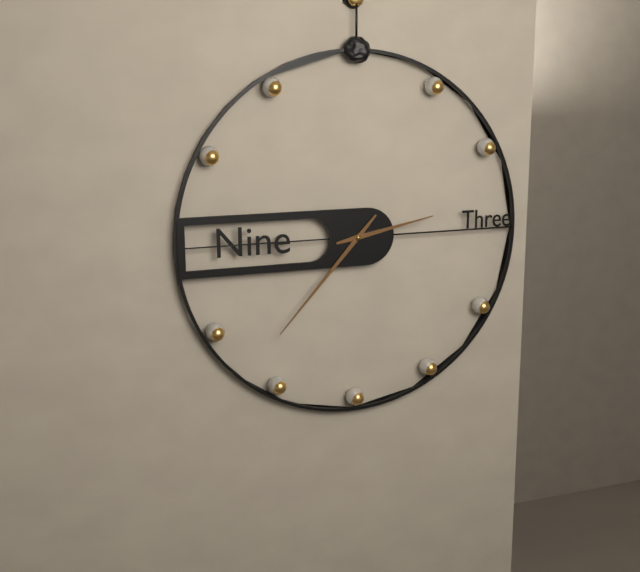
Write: 2:37
